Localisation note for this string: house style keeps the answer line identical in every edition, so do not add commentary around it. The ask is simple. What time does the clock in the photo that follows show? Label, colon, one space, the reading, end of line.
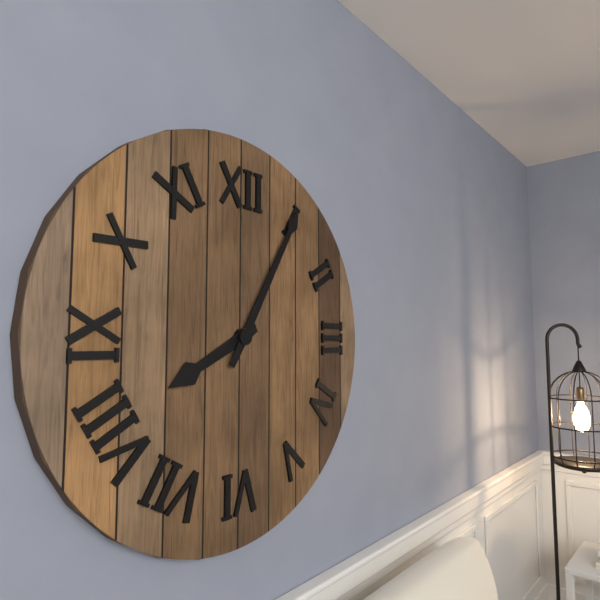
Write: 8:05
